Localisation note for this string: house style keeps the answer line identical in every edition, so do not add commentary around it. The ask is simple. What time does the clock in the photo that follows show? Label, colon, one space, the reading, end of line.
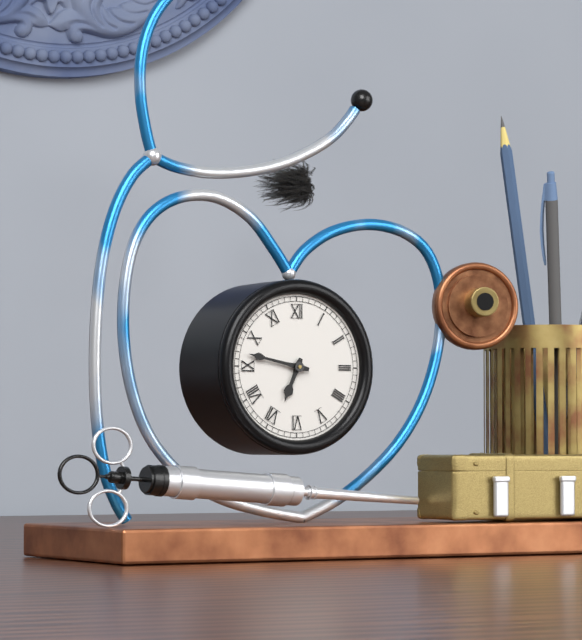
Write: 6:47
